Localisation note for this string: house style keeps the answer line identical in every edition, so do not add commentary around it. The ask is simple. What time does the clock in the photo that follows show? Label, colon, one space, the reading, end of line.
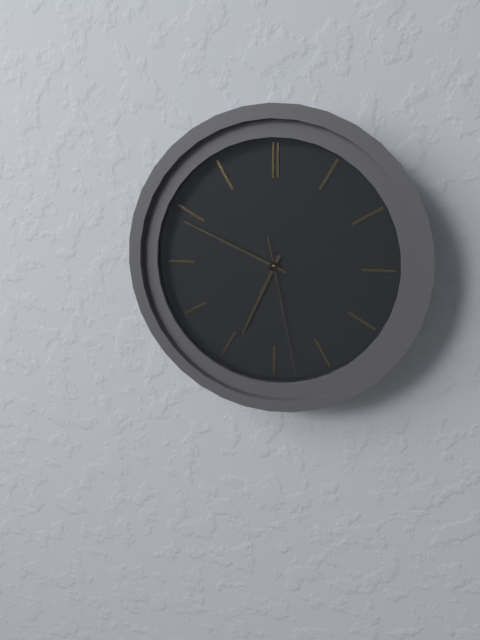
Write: 6:49:28
